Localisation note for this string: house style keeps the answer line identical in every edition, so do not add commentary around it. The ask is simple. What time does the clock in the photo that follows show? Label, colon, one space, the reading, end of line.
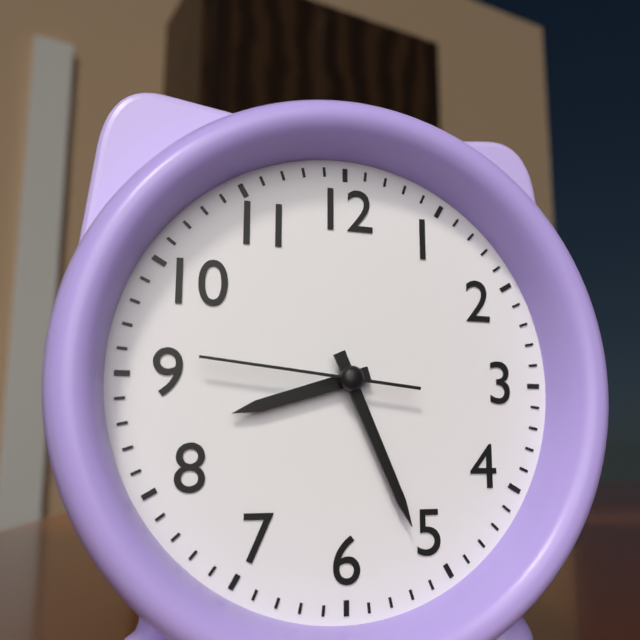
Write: 8:26:46
